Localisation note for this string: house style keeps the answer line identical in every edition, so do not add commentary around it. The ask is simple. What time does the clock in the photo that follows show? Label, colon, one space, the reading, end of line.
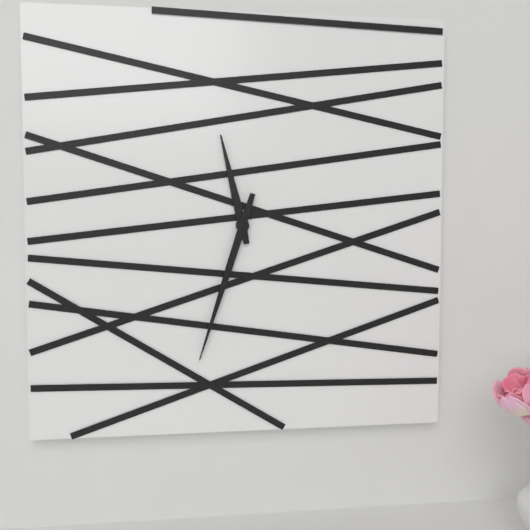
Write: 11:33
